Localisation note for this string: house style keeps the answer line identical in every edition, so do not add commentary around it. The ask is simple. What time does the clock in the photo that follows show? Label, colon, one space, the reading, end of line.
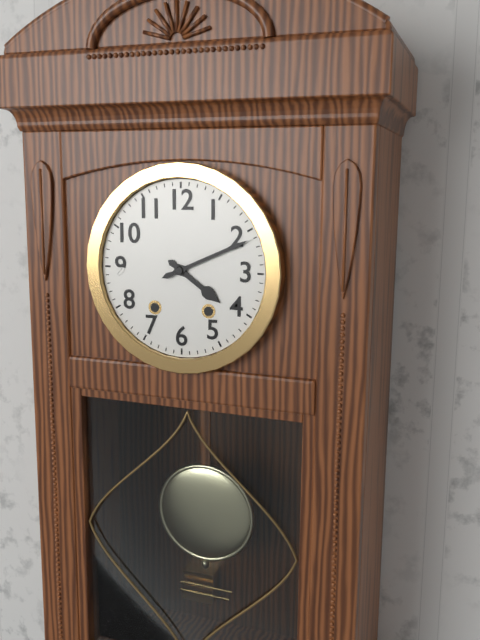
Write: 4:11
